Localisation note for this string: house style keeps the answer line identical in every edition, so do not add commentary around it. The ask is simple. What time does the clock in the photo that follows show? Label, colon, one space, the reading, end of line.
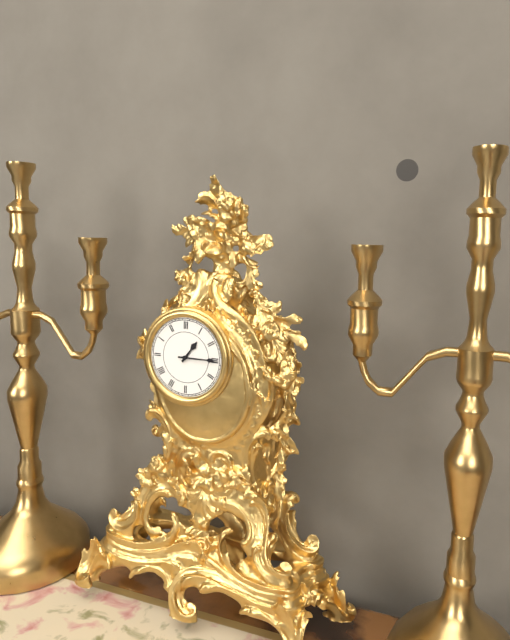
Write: 1:15
